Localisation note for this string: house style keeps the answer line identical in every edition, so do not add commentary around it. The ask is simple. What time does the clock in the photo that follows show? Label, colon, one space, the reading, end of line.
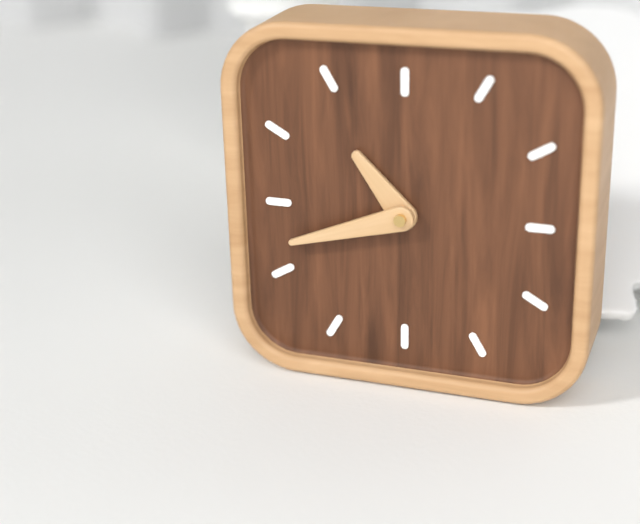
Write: 10:42
